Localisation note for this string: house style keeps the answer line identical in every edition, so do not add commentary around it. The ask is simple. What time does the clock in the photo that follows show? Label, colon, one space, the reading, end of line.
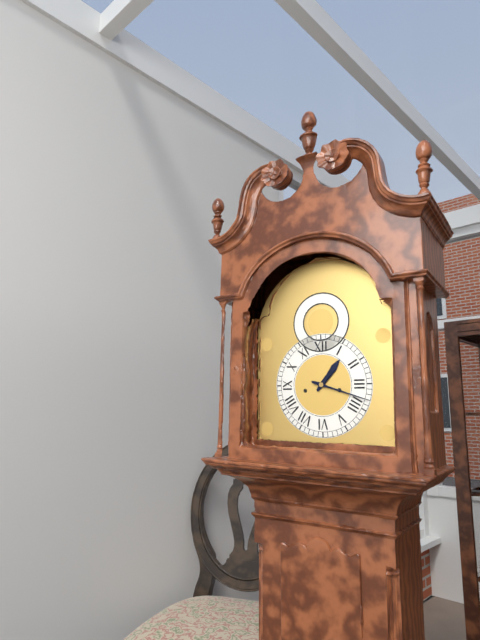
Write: 1:18
